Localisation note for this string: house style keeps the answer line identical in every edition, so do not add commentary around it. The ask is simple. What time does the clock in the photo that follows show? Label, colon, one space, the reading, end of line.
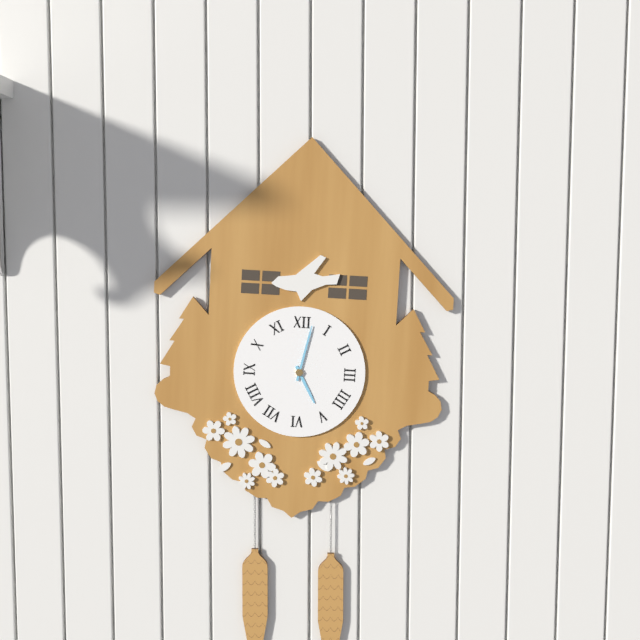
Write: 5:02
